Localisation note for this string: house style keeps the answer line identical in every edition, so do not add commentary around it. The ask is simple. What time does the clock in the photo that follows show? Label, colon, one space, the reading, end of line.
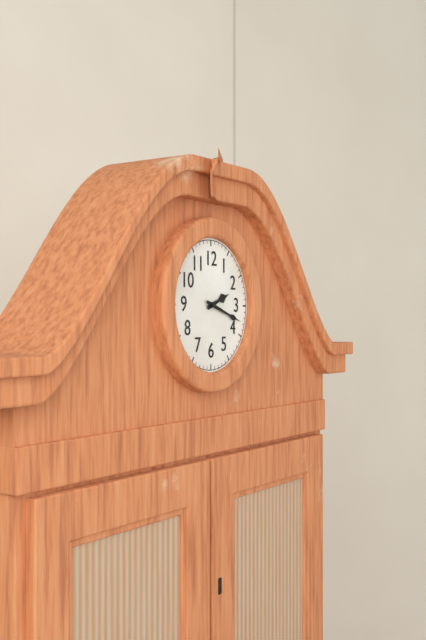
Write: 2:18
